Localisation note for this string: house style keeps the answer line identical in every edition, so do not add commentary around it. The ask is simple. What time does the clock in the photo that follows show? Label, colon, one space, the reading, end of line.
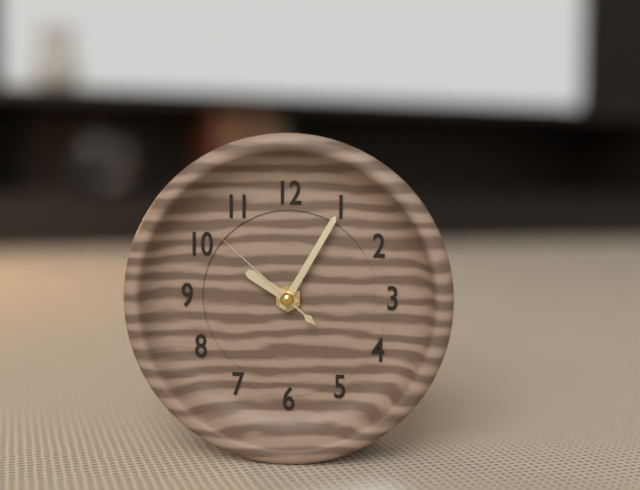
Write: 10:05:52
